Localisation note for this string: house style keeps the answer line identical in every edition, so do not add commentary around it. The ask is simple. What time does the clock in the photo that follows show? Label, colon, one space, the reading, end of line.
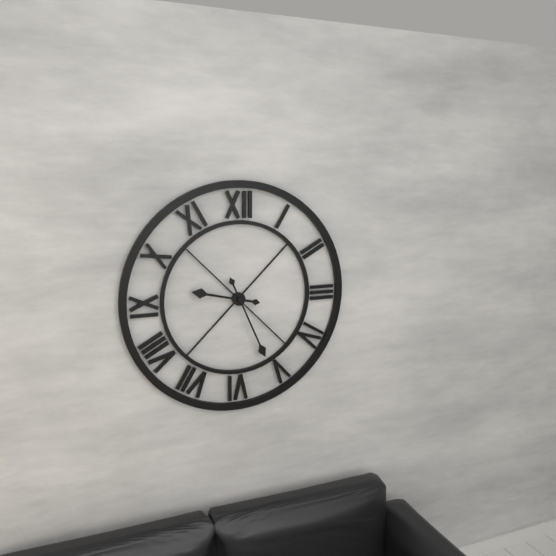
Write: 9:26
